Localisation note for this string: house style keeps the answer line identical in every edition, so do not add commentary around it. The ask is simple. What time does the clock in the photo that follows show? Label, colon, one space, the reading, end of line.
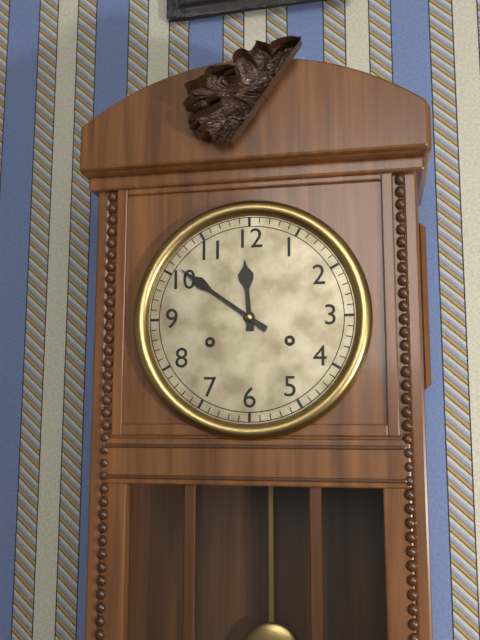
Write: 11:51
